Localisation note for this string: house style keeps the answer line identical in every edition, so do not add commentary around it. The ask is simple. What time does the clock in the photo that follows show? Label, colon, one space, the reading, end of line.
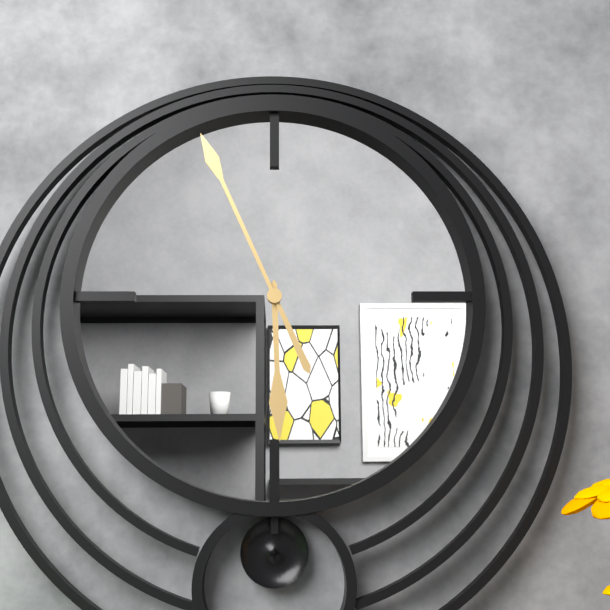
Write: 5:56
